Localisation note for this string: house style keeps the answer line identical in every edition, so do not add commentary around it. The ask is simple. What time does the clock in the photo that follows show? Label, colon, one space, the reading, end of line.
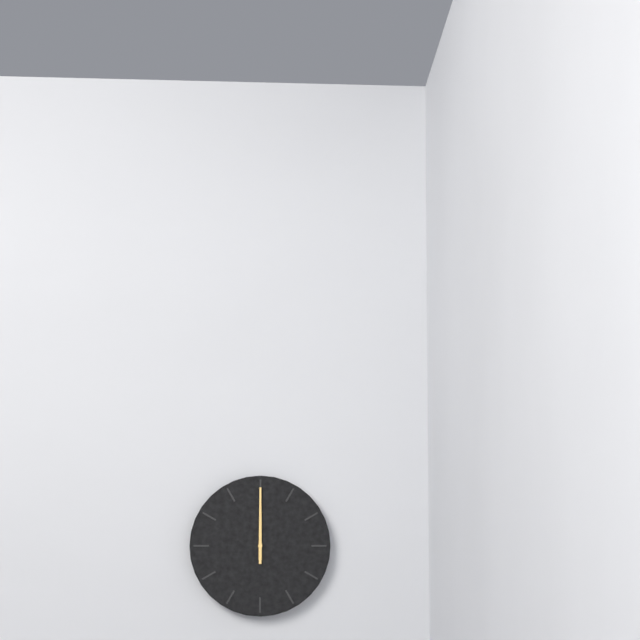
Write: 12:00
